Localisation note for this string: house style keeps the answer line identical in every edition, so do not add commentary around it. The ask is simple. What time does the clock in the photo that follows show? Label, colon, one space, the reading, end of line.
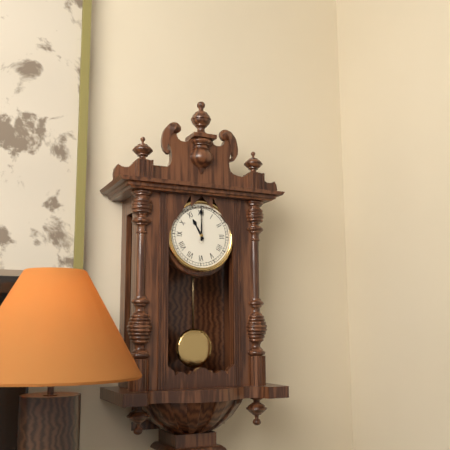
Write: 11:00
